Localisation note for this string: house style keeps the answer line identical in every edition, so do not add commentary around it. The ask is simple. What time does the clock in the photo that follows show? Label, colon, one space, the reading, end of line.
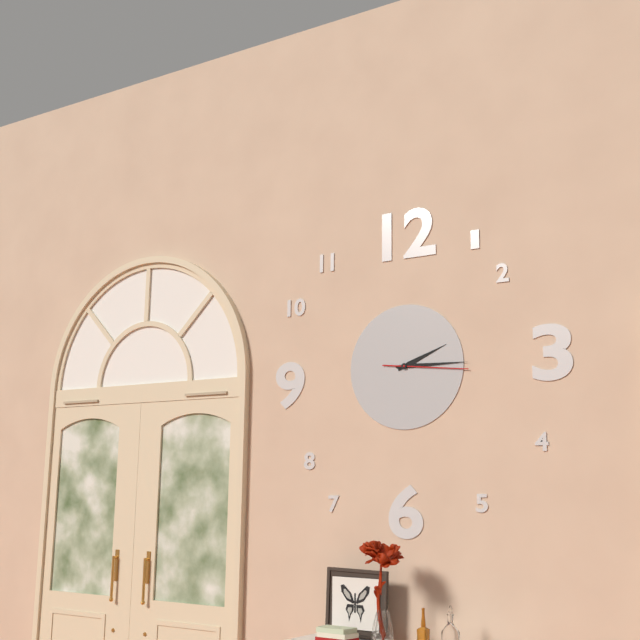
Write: 2:15:16
